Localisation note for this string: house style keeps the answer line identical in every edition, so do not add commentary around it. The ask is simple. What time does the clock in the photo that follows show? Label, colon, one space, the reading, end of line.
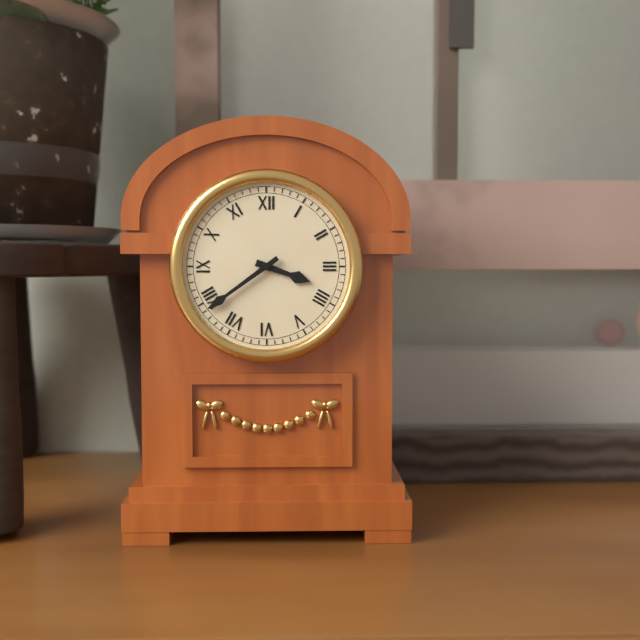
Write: 3:39
